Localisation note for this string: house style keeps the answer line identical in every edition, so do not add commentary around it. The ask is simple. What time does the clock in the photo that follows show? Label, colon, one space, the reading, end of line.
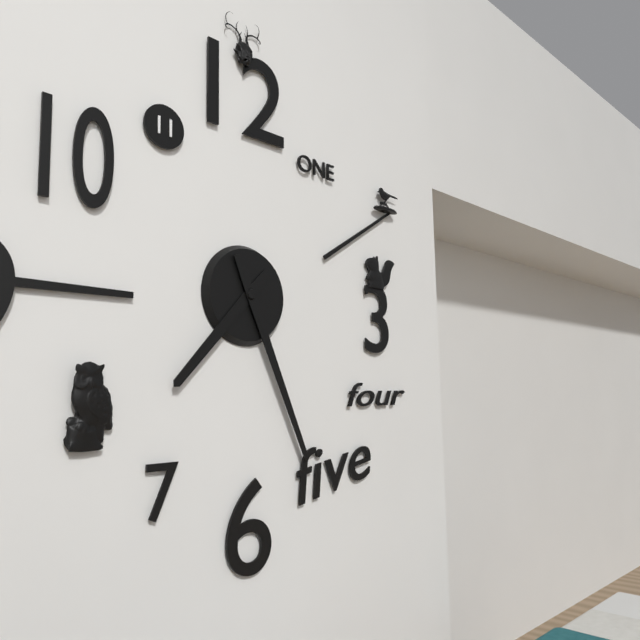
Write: 7:26
